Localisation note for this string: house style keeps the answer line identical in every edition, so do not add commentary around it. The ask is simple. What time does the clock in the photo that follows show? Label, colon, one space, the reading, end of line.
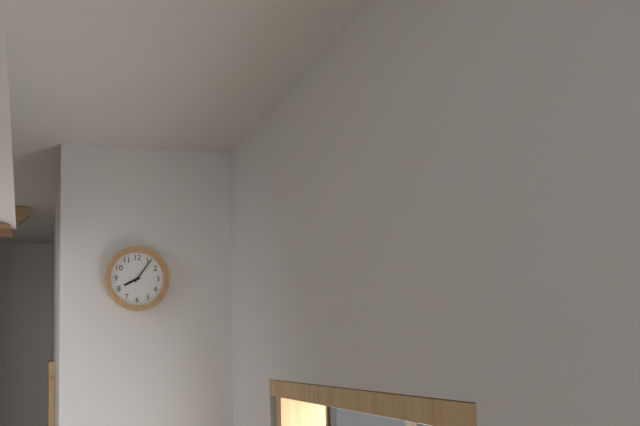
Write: 8:06
